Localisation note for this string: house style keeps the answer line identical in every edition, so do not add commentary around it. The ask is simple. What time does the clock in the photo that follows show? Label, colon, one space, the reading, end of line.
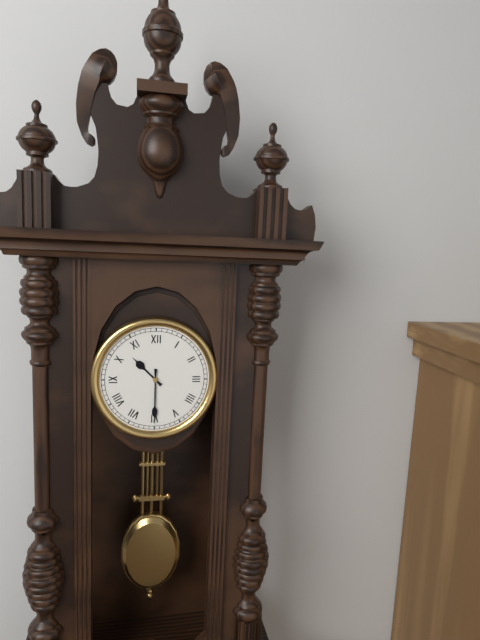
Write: 10:30
